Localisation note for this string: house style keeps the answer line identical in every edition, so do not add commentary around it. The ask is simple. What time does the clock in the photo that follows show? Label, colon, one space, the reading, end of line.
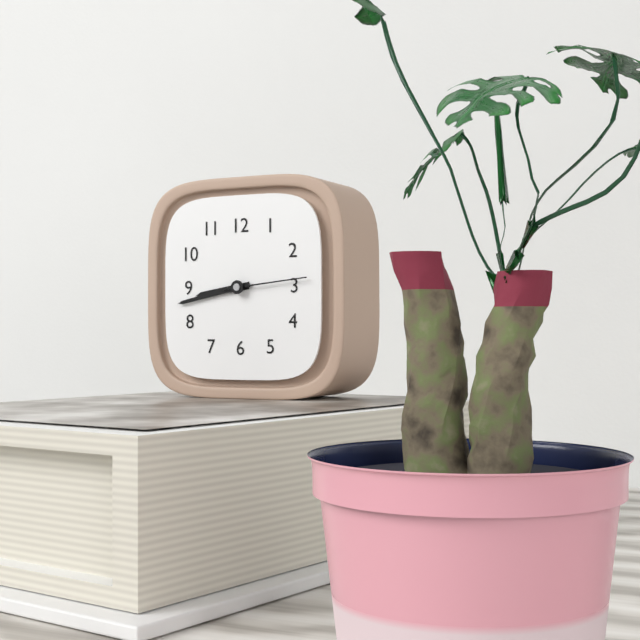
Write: 8:43:14
